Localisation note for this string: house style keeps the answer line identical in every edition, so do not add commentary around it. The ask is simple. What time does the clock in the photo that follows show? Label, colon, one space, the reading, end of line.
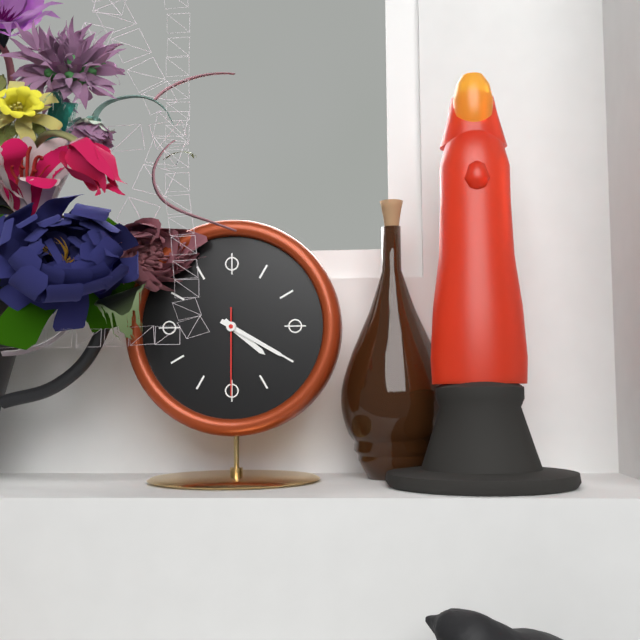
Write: 4:20:30
